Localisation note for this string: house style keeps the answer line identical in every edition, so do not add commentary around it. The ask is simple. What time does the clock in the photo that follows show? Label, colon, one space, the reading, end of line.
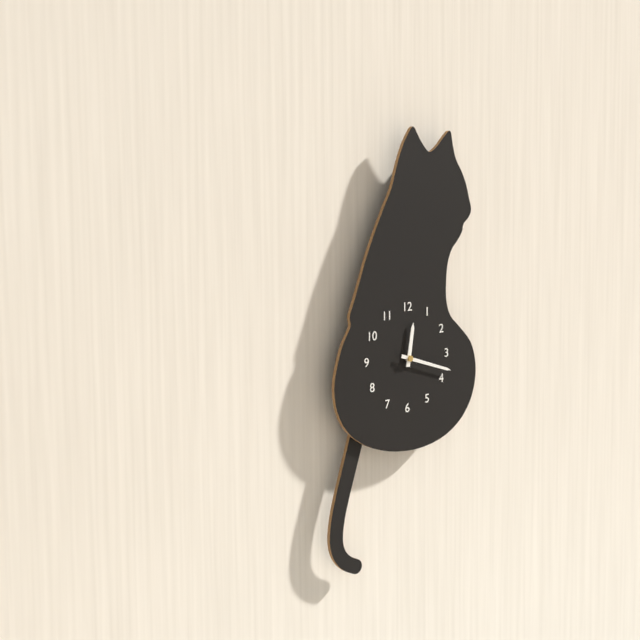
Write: 12:18
